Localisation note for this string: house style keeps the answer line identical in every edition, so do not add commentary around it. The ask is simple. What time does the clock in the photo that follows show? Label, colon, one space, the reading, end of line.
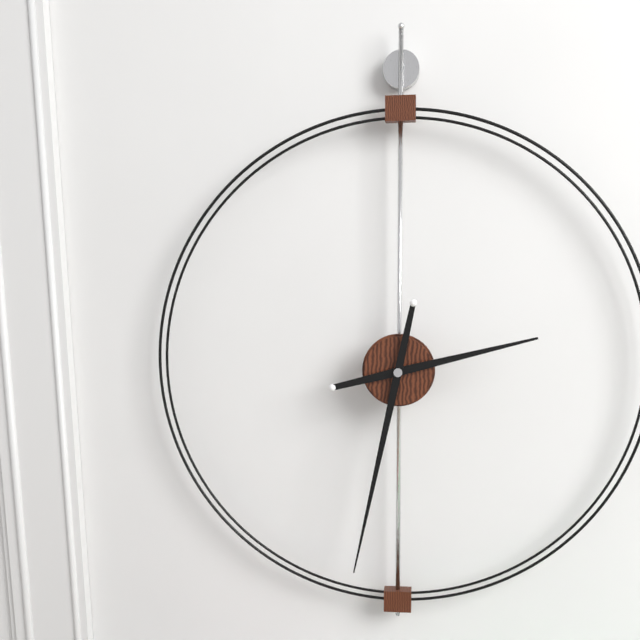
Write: 2:32
